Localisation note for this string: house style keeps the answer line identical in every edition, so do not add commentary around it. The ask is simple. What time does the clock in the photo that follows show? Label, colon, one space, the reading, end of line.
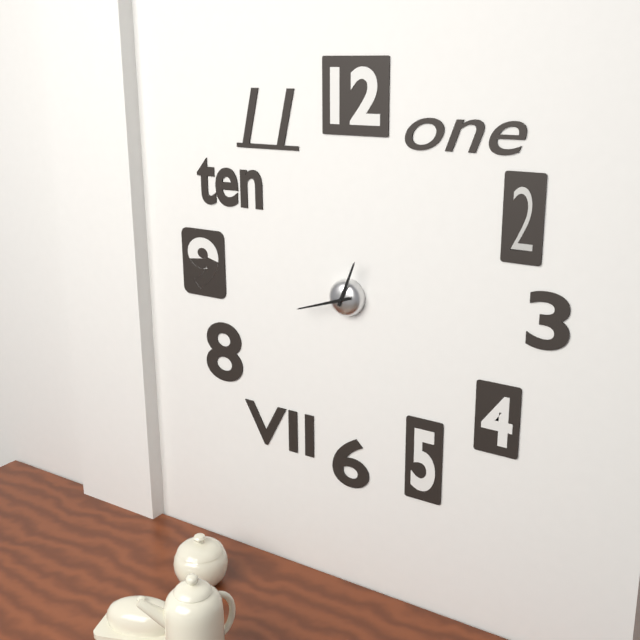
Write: 12:42
